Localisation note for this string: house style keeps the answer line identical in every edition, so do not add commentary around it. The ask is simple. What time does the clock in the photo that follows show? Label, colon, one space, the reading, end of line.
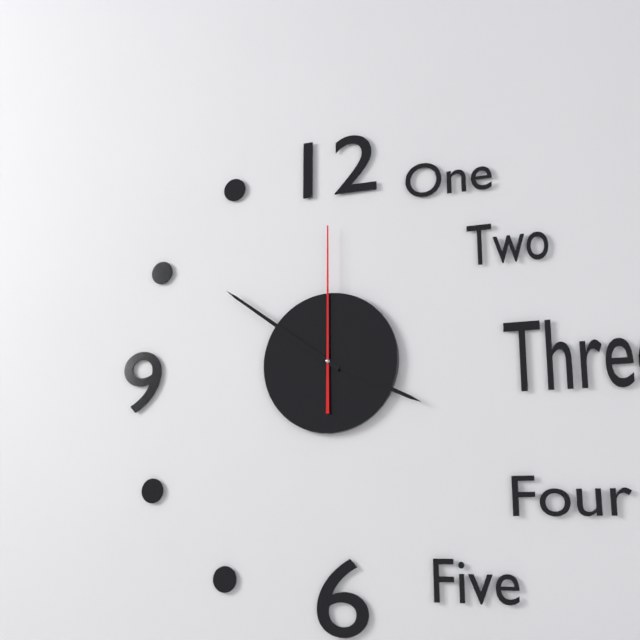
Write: 3:51:00
